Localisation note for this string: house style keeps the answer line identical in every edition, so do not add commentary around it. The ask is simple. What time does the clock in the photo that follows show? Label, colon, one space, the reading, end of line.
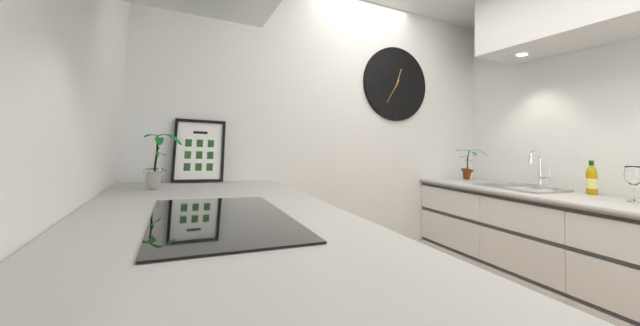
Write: 12:35
